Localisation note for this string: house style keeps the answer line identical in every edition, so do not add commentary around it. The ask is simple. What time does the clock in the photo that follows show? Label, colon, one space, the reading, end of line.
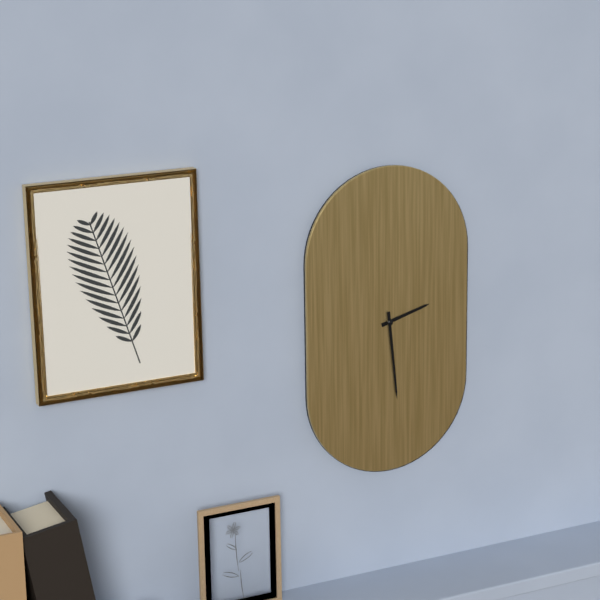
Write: 2:29
